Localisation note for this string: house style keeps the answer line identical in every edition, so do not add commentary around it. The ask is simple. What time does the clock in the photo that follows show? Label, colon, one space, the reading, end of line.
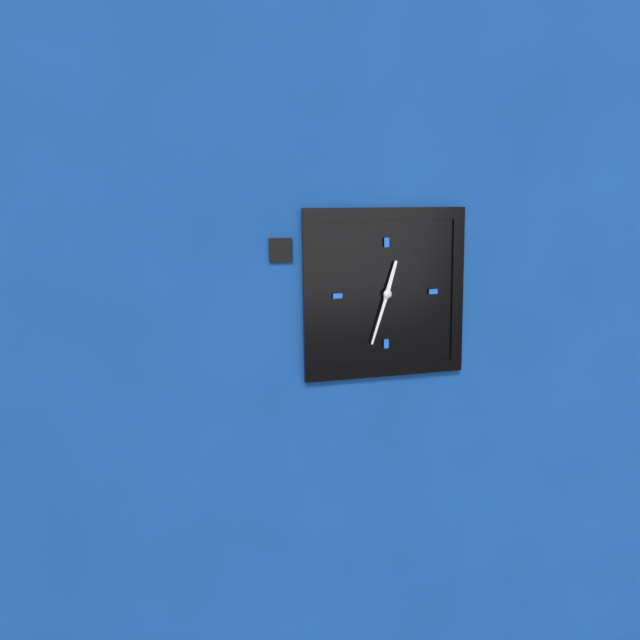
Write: 12:33
